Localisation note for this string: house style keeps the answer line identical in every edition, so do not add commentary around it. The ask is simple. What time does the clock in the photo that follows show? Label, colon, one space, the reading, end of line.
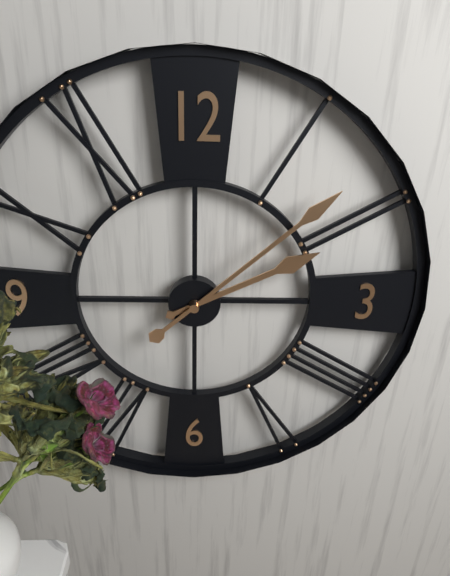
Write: 2:08
